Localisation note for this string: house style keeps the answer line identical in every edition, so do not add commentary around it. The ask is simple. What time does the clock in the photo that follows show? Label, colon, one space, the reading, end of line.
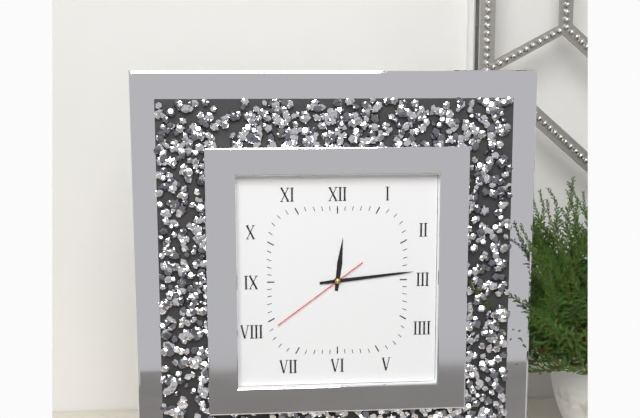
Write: 12:14:39
